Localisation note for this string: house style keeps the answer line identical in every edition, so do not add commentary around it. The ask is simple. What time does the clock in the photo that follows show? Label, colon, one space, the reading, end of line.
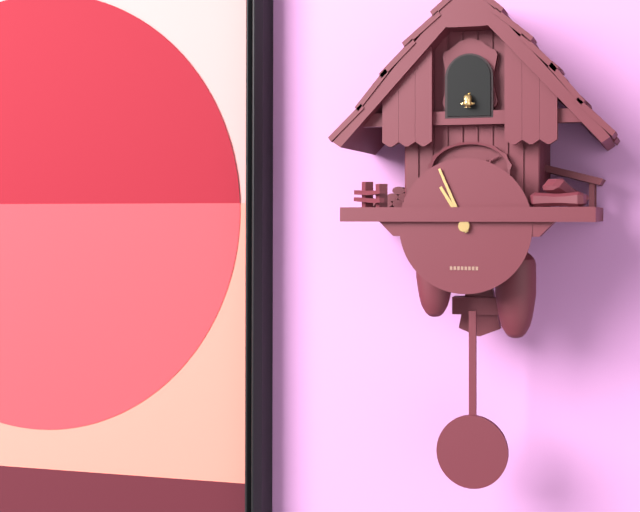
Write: 10:56
